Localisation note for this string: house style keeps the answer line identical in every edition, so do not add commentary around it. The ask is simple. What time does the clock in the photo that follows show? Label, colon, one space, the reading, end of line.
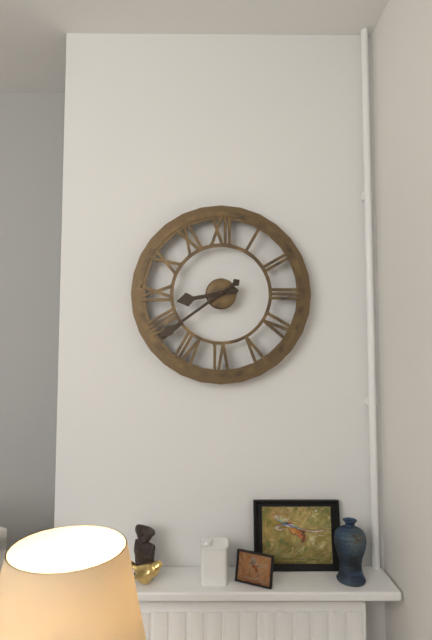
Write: 8:39
